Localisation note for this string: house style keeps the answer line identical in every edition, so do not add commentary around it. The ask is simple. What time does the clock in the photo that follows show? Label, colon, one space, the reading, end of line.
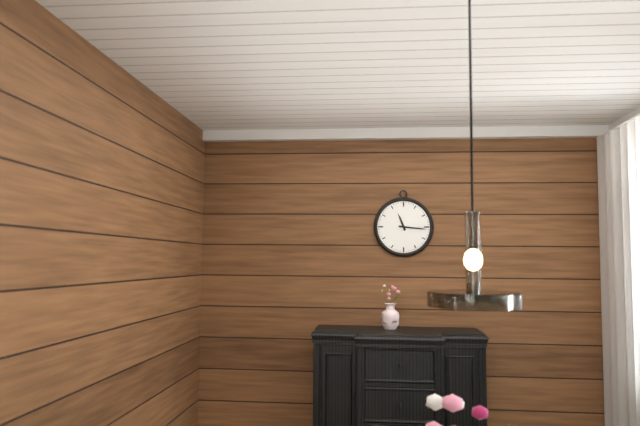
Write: 11:16
